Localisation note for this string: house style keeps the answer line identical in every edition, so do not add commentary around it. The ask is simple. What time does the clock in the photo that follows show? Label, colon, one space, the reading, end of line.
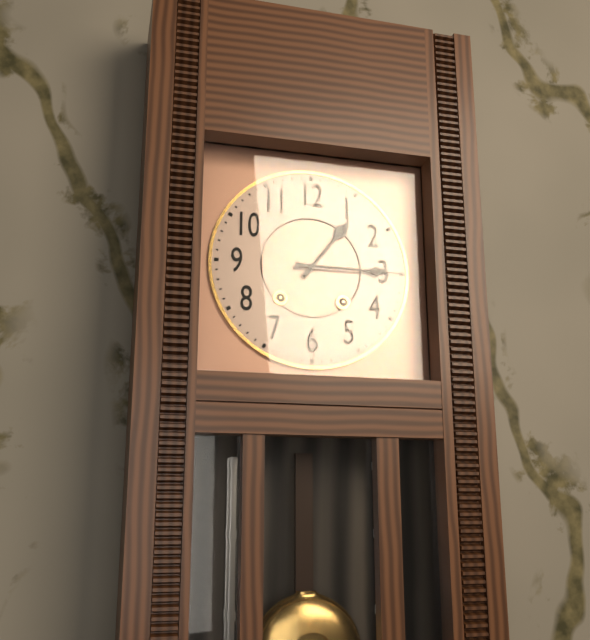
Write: 1:15
